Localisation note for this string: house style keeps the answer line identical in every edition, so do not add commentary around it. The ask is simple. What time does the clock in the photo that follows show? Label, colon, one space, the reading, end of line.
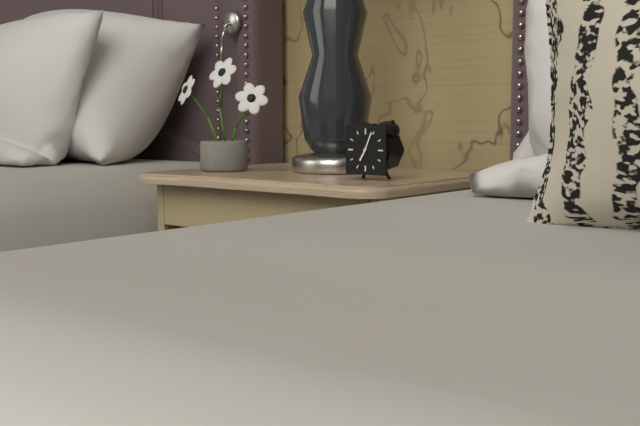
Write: 7:04
